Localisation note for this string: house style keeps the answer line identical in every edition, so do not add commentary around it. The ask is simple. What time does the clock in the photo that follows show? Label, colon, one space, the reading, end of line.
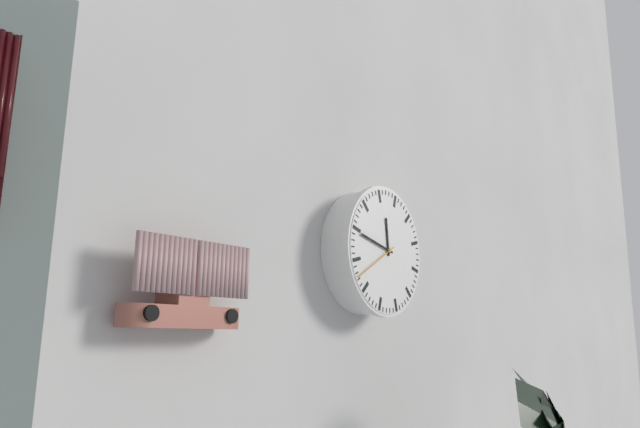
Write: 11:47:40
